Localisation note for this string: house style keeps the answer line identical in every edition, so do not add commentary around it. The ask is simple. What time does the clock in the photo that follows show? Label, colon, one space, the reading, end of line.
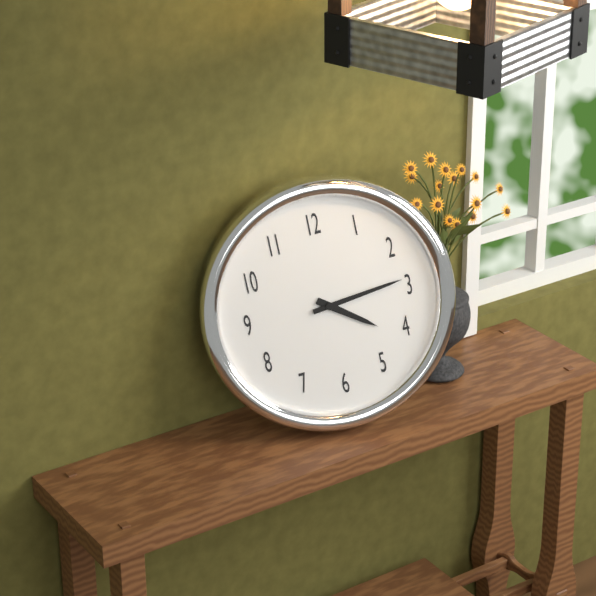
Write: 4:14
